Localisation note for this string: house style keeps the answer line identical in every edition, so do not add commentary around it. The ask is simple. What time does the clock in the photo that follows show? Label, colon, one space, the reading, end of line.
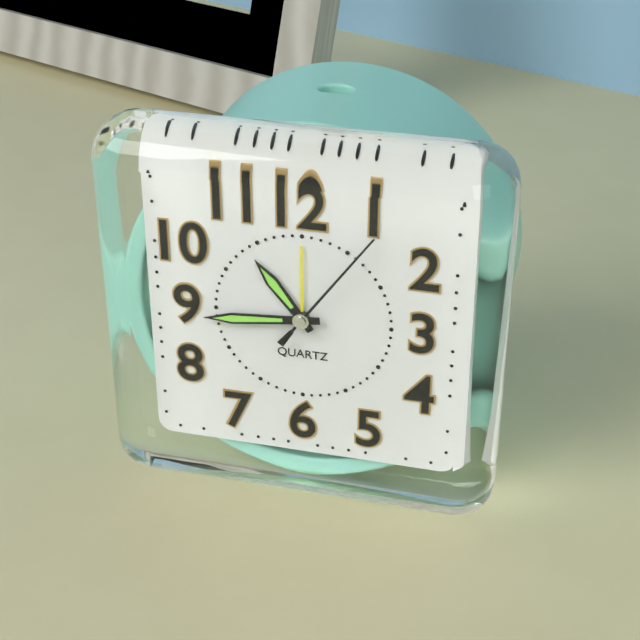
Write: 10:44:06
